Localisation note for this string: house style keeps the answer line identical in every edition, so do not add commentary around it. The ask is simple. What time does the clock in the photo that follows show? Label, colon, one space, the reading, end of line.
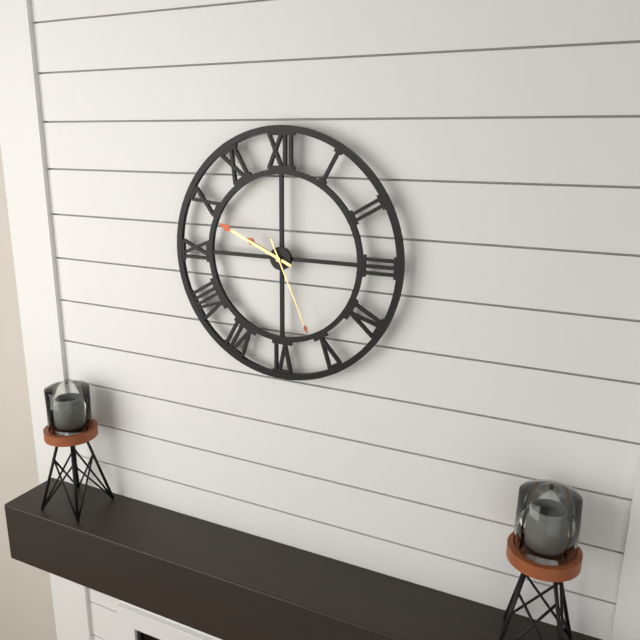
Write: 9:49:26
